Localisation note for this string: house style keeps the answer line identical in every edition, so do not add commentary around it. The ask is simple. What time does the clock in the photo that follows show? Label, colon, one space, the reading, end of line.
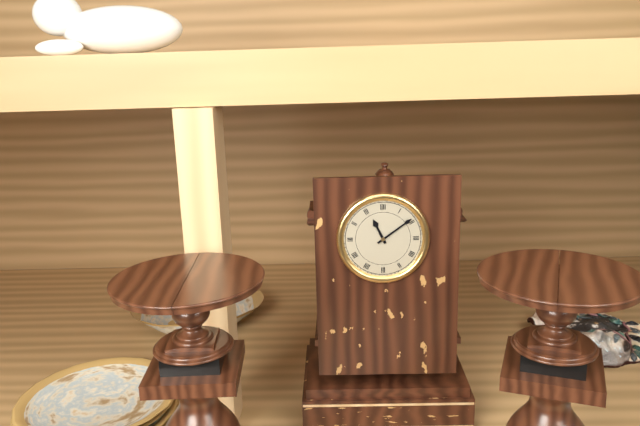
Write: 11:09
